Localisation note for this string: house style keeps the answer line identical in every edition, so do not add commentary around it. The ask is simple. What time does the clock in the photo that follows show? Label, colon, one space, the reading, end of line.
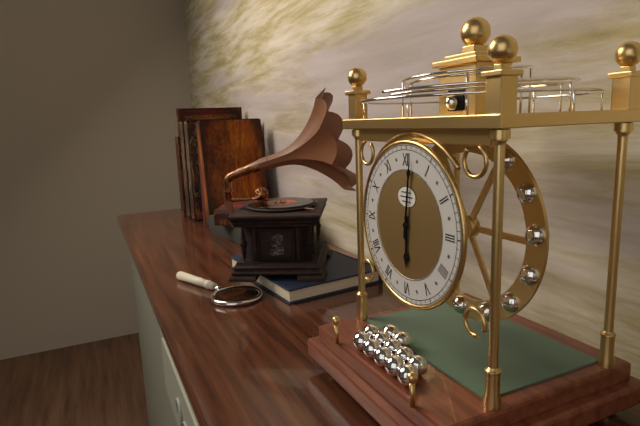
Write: 6:01
